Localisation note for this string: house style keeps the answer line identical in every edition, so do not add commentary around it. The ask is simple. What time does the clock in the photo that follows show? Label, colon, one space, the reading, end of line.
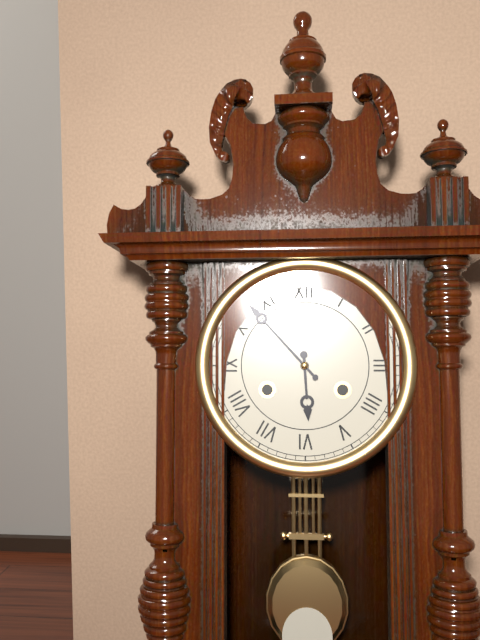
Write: 5:53
